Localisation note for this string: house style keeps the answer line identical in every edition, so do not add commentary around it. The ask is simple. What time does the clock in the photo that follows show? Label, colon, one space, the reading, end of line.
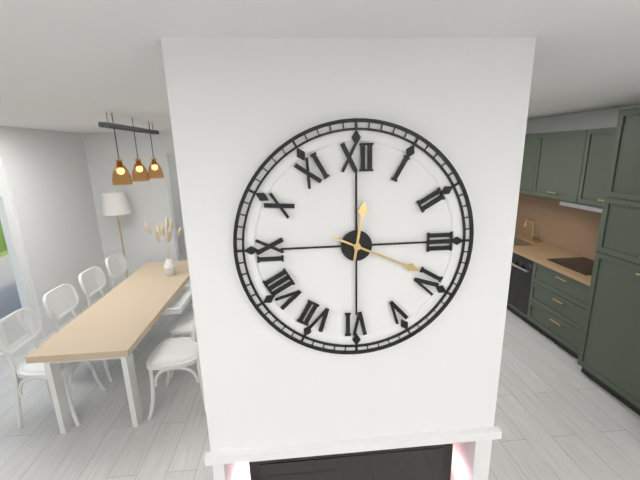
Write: 12:19
